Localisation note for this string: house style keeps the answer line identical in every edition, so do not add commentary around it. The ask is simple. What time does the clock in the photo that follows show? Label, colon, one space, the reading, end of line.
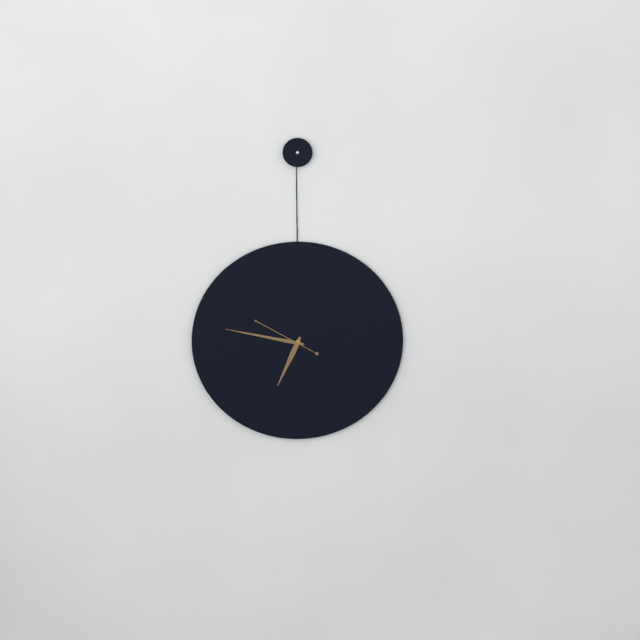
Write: 6:47:50
